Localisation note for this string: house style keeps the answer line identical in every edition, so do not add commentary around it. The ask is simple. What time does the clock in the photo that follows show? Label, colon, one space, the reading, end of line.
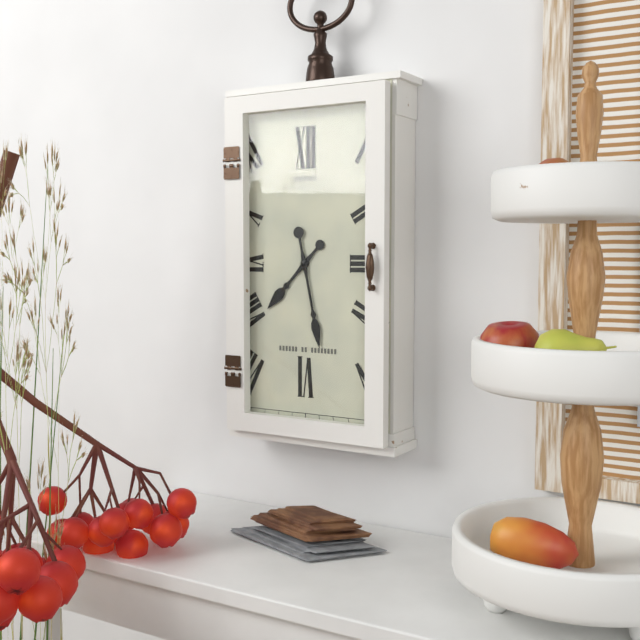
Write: 7:28
